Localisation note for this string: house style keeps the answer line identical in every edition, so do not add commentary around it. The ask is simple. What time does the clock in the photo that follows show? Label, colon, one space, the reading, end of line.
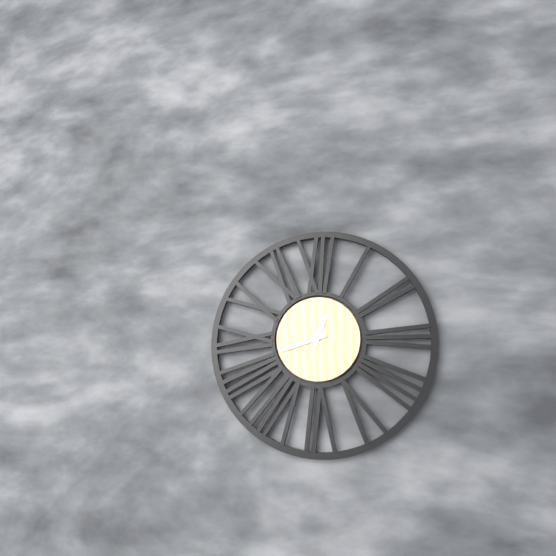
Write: 12:42
